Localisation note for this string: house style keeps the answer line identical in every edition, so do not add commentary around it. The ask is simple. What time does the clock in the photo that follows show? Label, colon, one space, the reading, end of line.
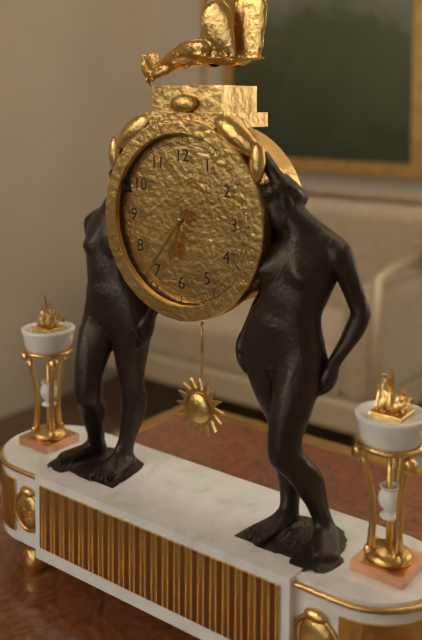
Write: 6:36
